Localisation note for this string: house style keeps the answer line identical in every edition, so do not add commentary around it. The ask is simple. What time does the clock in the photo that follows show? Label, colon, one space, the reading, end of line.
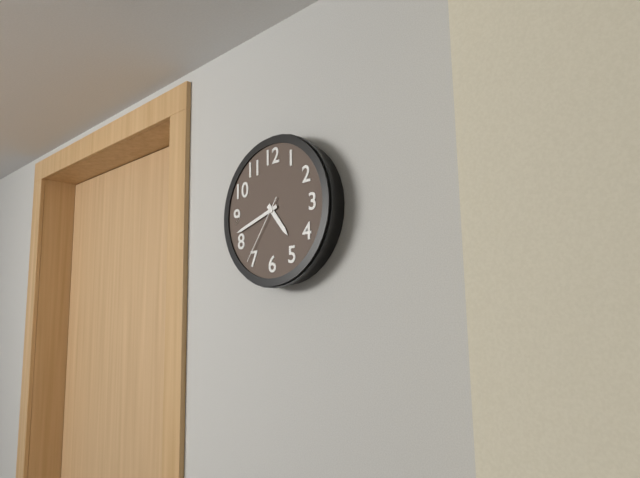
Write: 4:42:36
